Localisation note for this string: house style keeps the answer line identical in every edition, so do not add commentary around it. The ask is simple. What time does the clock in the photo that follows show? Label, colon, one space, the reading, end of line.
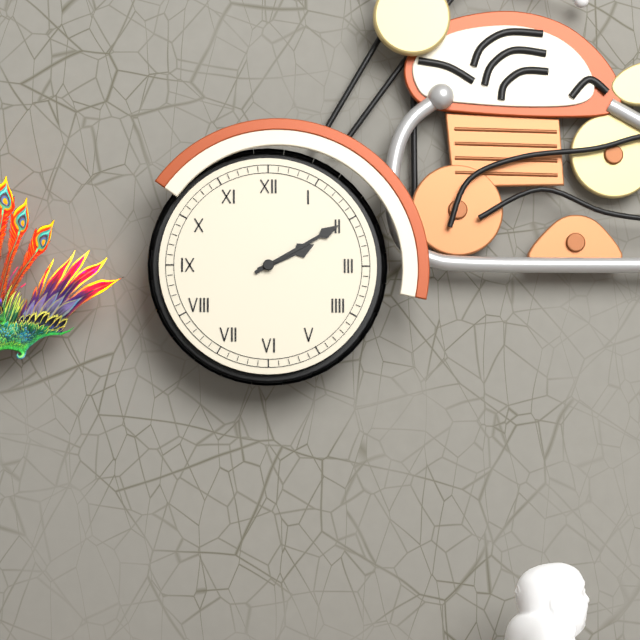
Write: 2:10
